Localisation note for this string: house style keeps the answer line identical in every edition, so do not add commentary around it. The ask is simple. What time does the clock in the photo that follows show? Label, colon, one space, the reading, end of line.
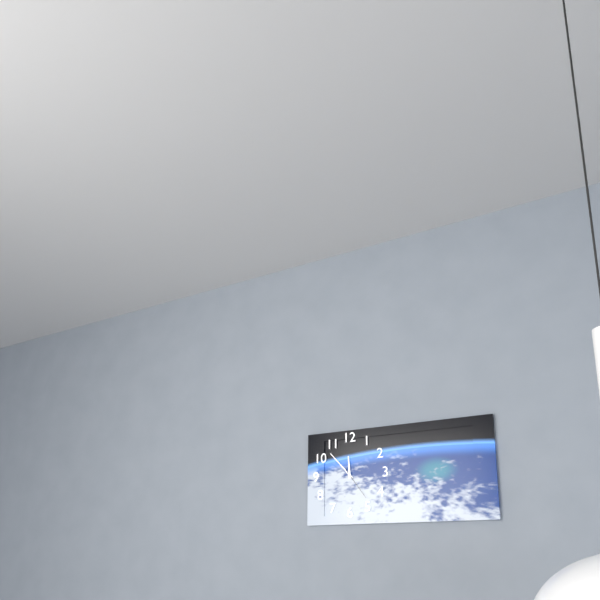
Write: 11:53
